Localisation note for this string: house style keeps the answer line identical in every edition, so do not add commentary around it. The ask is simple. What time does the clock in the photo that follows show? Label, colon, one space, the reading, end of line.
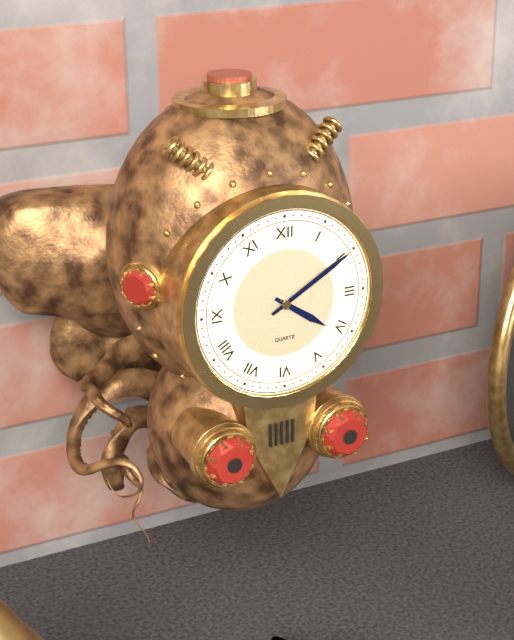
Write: 4:10
